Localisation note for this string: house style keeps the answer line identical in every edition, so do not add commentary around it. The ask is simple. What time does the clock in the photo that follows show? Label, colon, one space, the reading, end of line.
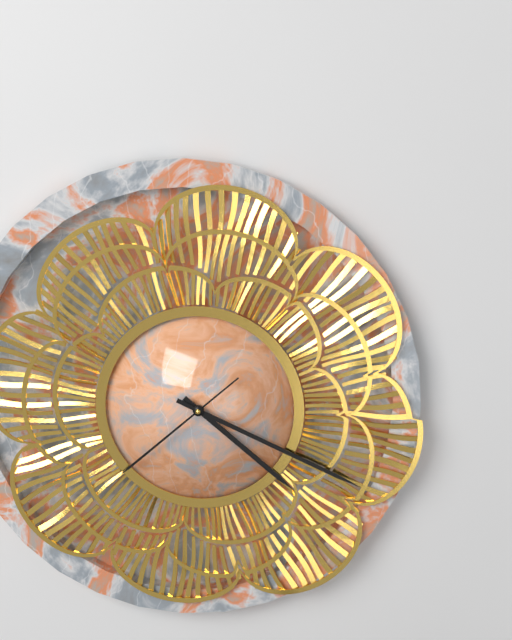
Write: 4:19:38
